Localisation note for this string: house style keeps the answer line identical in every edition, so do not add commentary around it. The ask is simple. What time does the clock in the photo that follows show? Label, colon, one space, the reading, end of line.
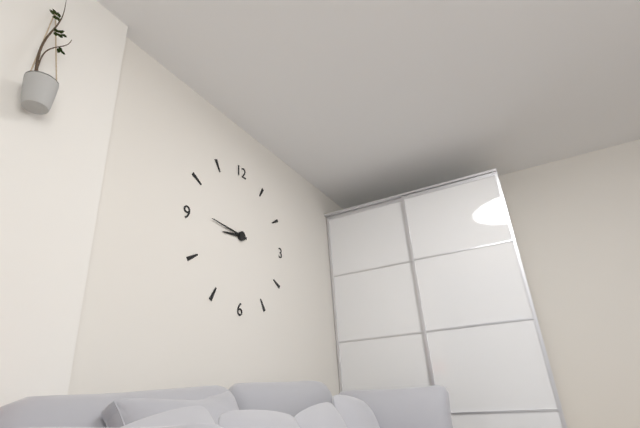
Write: 8:46
